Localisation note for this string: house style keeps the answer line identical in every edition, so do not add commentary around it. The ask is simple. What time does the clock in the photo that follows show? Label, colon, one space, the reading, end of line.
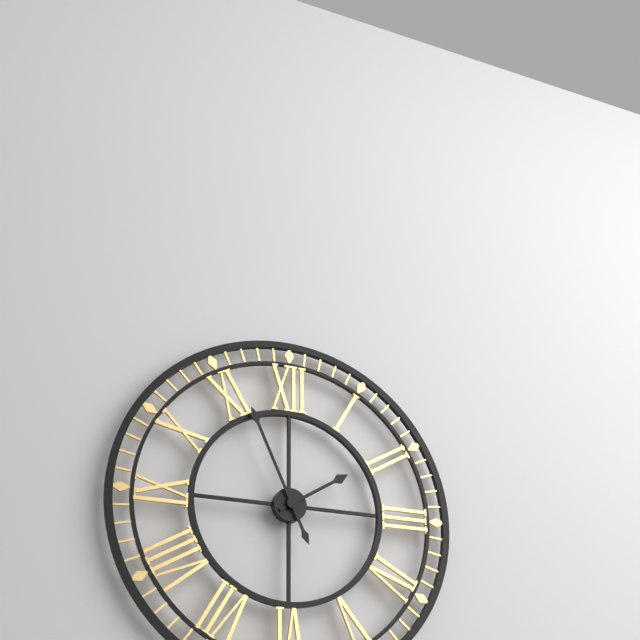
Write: 1:56
